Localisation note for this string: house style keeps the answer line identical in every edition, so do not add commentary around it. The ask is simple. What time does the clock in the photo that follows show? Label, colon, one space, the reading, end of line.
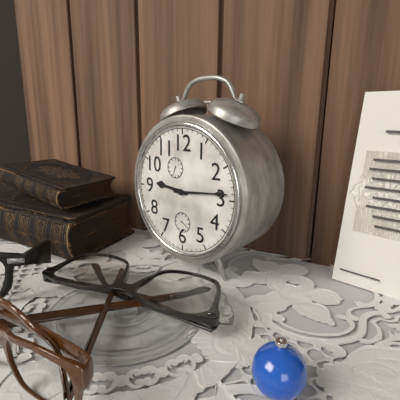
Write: 9:14
